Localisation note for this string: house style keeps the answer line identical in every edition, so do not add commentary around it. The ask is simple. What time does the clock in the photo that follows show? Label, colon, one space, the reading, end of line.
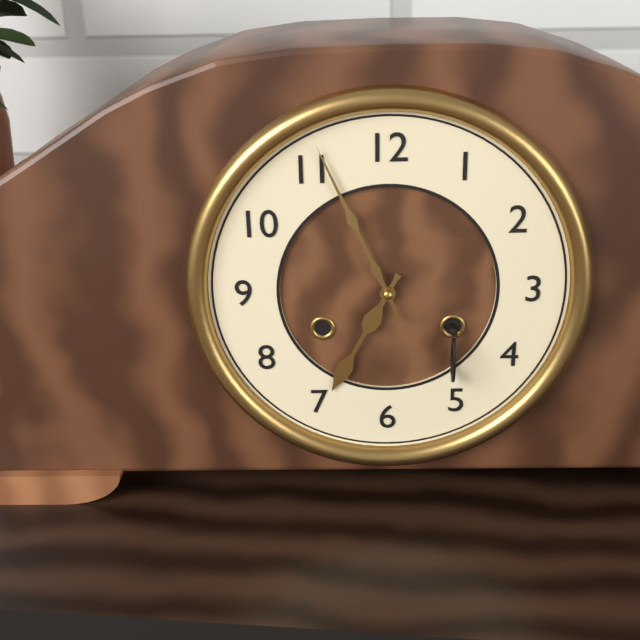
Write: 6:56
